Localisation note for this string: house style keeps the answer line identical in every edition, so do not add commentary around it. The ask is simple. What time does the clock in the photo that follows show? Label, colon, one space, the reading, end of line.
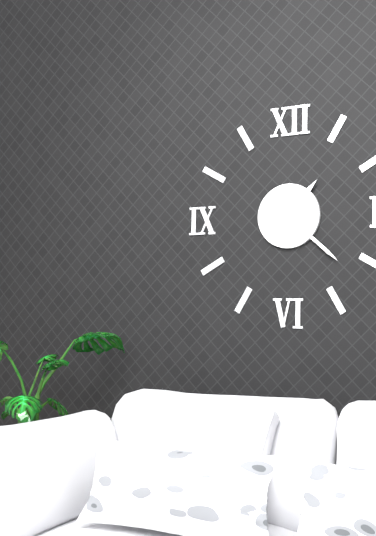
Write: 1:22
